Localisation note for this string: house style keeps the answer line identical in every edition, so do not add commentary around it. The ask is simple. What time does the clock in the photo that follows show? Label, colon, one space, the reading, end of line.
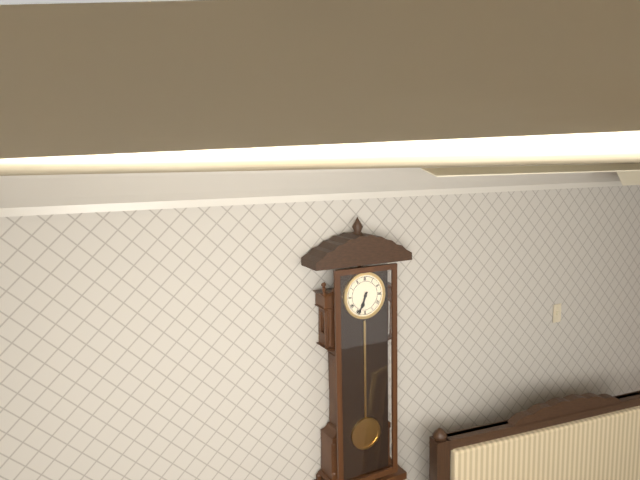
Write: 6:34
